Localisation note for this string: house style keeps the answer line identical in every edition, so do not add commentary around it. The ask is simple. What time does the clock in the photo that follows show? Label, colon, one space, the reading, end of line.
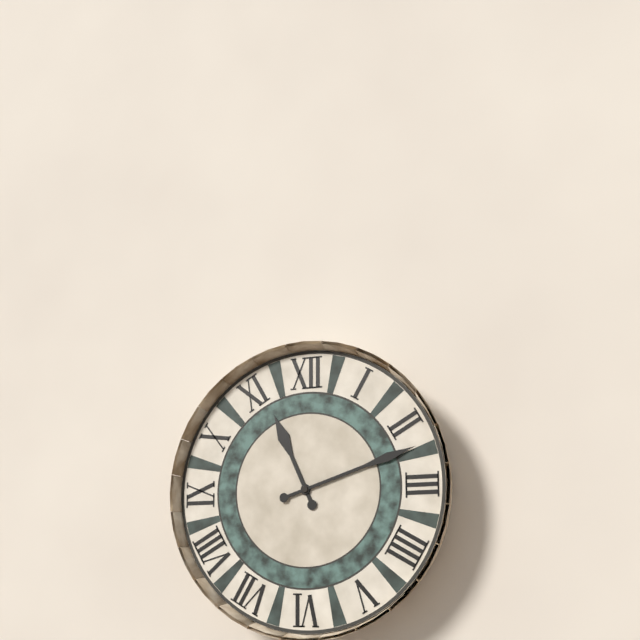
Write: 11:12
